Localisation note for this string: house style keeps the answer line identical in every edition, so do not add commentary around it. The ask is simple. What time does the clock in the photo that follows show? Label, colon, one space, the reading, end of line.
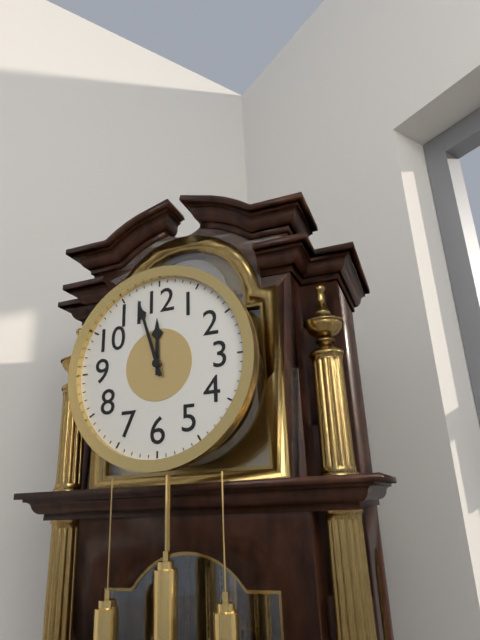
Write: 11:57
